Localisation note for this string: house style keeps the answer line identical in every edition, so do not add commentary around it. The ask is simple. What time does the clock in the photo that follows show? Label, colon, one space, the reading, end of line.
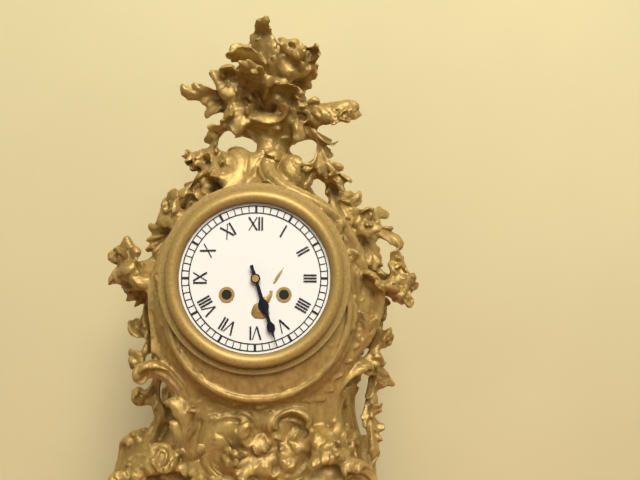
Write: 5:27
